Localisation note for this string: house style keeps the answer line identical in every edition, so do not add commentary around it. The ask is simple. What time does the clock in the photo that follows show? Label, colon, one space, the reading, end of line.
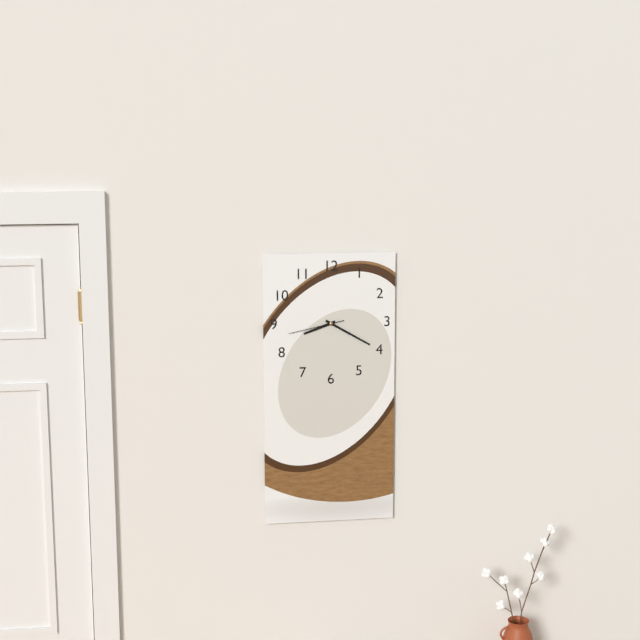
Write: 8:20:43
